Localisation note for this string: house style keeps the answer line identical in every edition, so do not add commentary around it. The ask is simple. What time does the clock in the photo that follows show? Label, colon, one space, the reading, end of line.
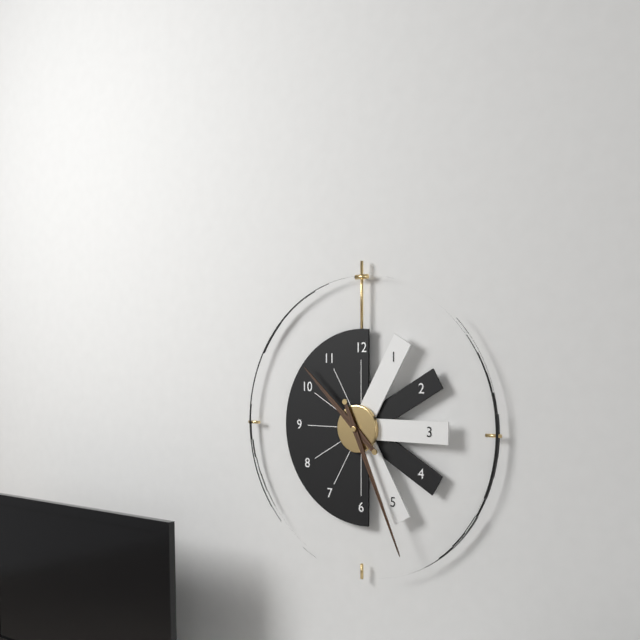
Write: 10:26
